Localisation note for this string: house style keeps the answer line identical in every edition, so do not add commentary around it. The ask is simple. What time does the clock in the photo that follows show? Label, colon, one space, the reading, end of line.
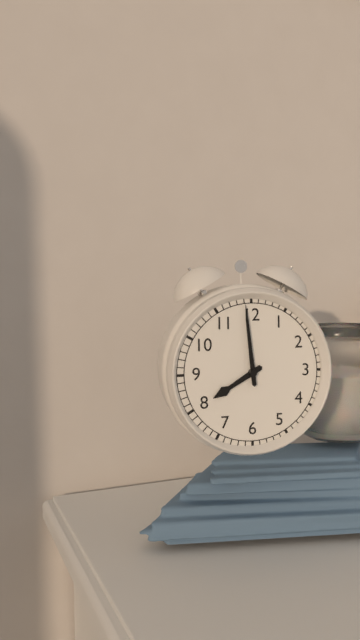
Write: 7:59
